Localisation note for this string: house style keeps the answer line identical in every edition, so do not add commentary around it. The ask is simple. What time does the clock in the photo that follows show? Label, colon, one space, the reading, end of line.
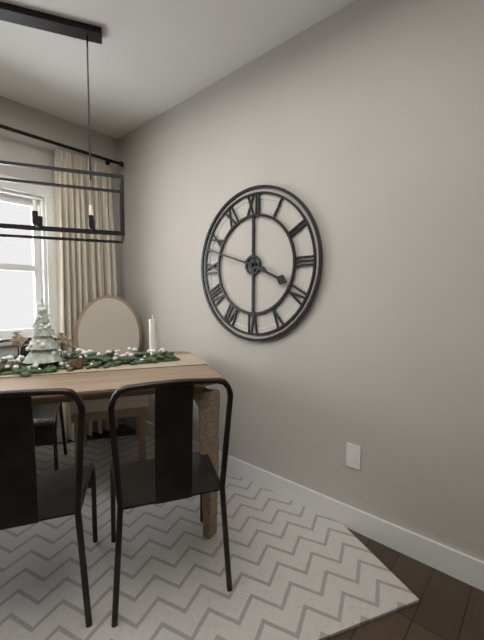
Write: 3:48
